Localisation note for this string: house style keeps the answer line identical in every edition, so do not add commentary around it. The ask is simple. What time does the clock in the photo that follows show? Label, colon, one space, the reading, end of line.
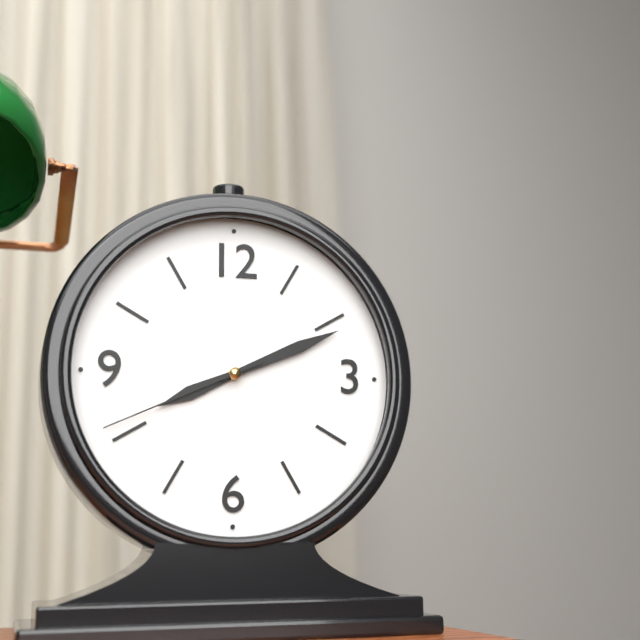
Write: 8:11:41
